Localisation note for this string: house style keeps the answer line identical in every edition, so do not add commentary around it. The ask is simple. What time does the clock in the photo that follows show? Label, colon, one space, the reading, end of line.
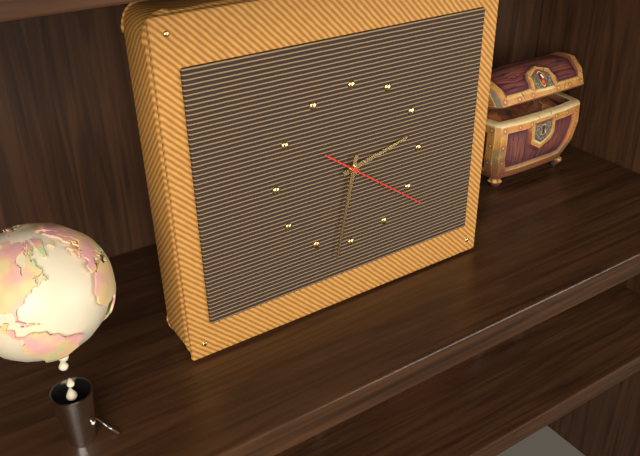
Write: 2:32:21
